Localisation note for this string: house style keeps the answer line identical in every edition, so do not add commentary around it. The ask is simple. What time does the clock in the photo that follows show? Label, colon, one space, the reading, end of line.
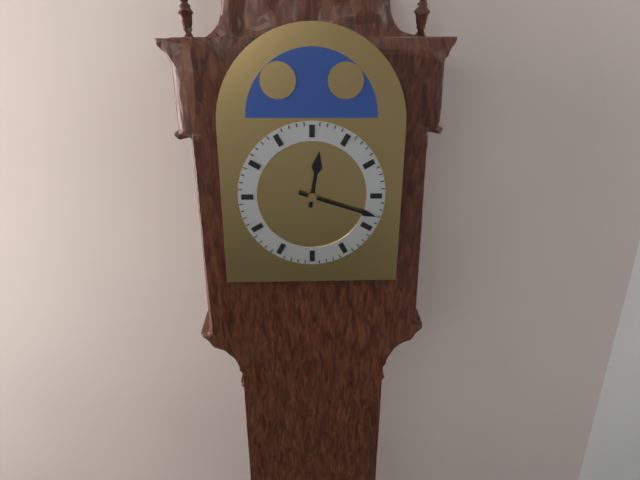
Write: 12:18
